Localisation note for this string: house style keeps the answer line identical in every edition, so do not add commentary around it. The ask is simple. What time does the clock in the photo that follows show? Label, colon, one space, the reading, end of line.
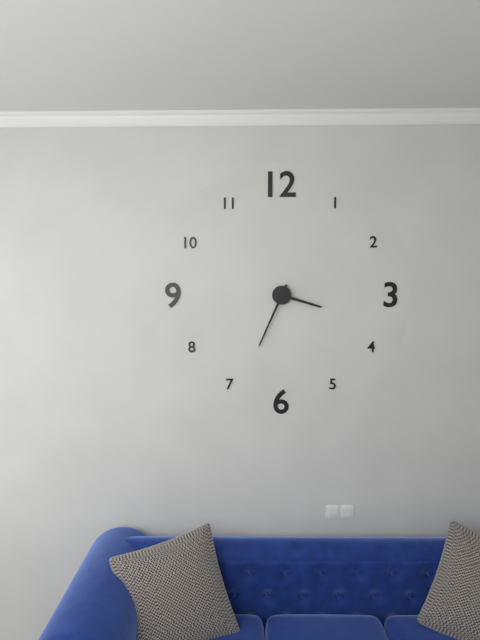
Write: 3:34
